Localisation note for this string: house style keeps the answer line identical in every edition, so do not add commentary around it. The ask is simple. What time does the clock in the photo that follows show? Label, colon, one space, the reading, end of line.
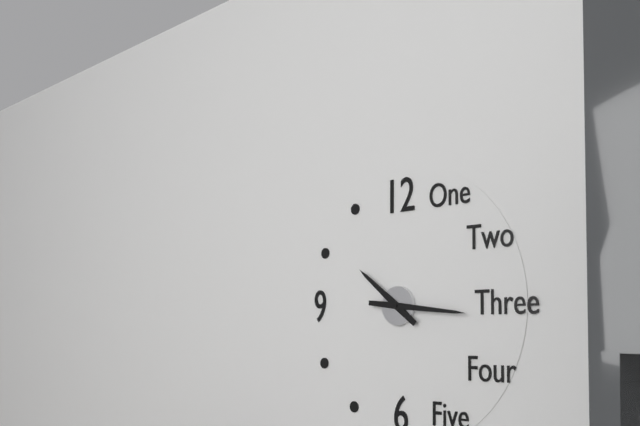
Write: 10:16
